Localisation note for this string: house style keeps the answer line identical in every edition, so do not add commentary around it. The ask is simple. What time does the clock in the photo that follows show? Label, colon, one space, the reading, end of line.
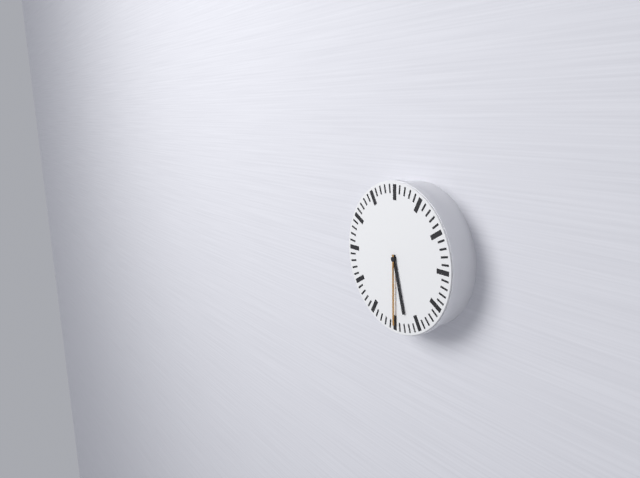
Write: 5:30
